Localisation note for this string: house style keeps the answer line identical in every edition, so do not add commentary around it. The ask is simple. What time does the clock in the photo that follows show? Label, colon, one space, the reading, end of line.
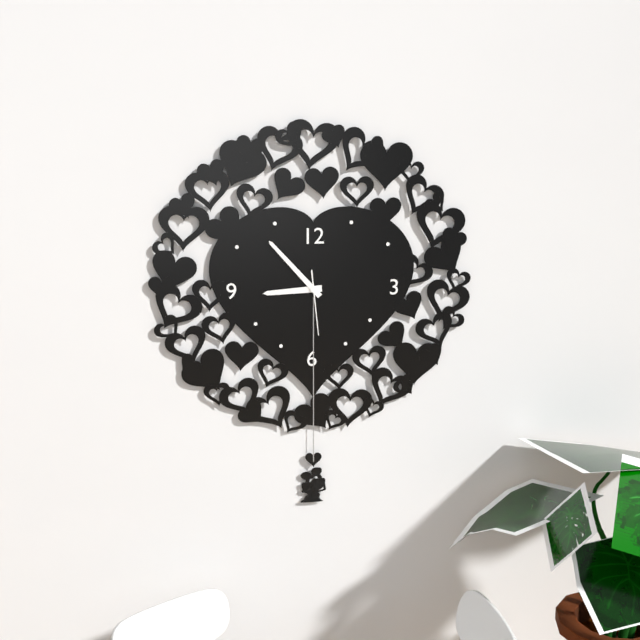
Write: 8:53:29
